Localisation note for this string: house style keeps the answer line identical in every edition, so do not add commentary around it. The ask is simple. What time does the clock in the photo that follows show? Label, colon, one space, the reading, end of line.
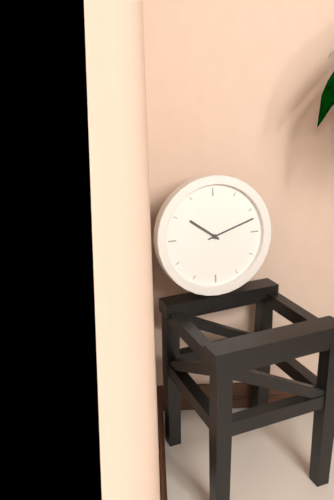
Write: 10:12
